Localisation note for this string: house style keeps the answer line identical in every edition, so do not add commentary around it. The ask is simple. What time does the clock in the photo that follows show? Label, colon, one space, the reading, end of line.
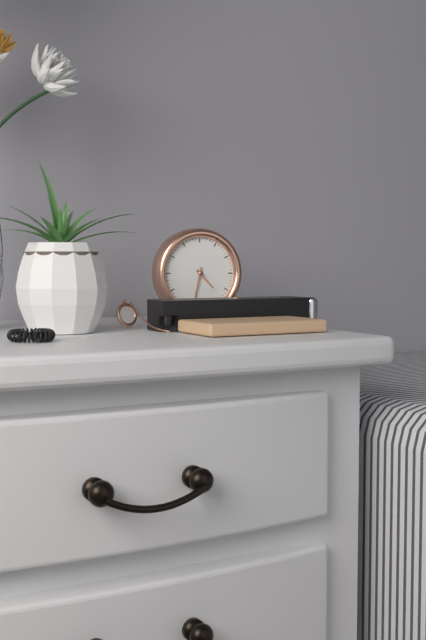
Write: 4:32
